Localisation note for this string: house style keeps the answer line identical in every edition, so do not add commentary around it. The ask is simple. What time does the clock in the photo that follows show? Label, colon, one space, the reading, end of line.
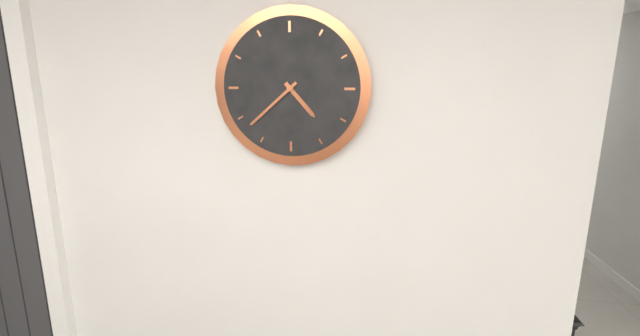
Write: 4:38
